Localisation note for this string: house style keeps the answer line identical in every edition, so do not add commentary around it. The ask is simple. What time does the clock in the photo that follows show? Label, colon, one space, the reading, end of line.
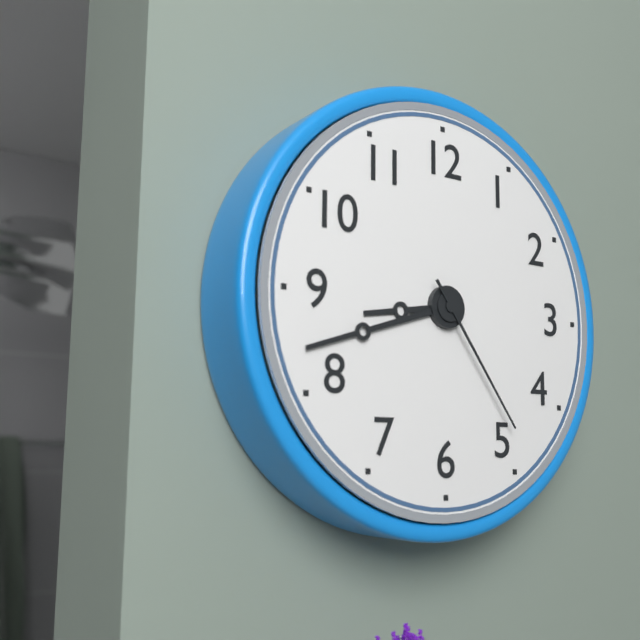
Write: 8:42:24
